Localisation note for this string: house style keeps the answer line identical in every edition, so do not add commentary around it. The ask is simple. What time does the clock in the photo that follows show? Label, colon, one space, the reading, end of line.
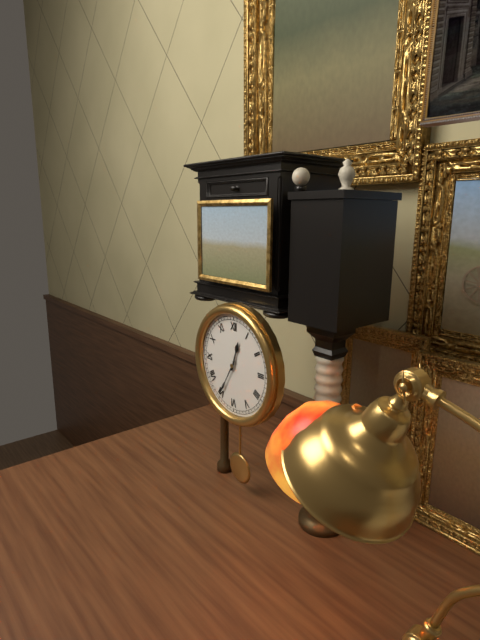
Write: 12:35
